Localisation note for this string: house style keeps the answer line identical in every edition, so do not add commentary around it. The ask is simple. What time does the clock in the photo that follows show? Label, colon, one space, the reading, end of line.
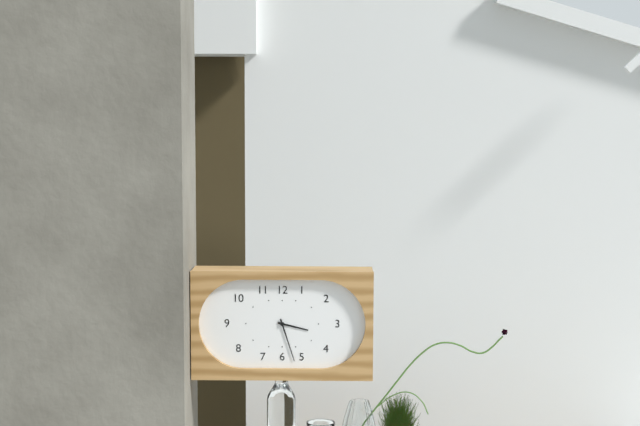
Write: 3:27
